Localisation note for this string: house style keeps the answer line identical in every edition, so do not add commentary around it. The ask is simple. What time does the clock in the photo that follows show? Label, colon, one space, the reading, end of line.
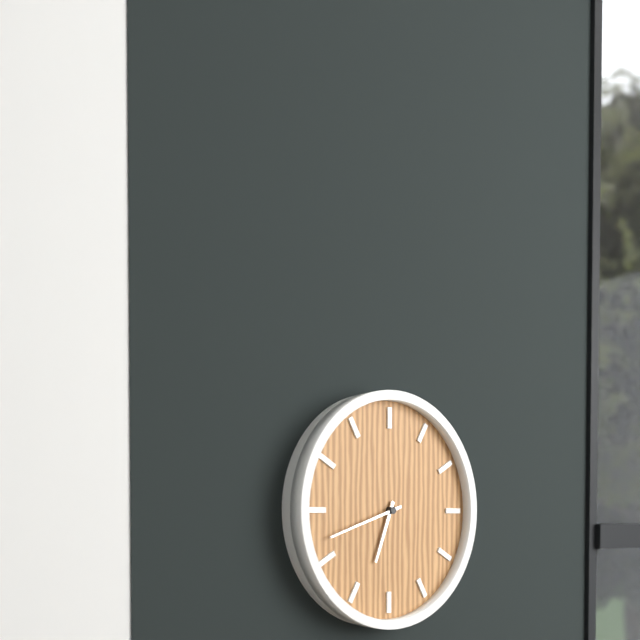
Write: 6:42
